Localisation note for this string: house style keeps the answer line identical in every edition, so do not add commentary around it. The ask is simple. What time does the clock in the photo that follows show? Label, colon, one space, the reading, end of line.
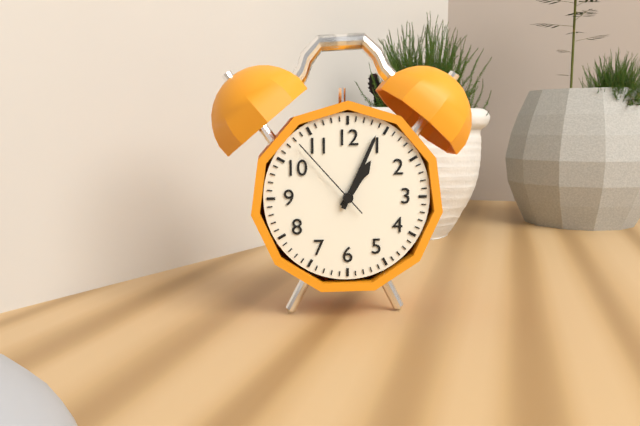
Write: 1:04:53
